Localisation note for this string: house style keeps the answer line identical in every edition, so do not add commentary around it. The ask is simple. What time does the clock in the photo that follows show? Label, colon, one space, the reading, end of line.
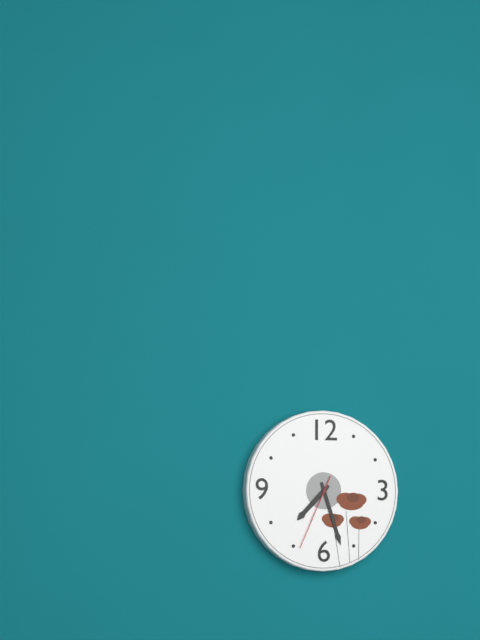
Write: 7:27:34
